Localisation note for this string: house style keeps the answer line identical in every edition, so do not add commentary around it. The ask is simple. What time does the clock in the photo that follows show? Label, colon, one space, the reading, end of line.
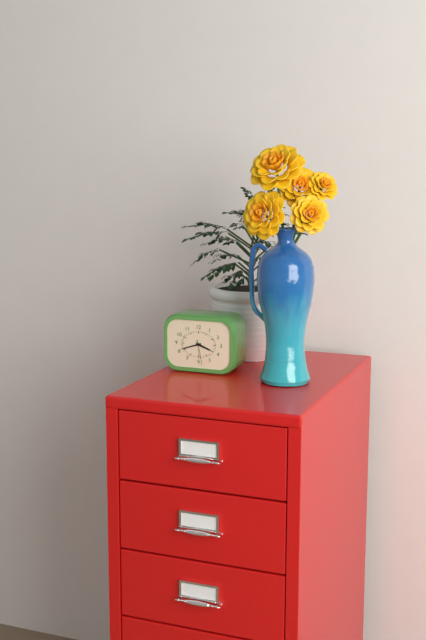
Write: 3:42
